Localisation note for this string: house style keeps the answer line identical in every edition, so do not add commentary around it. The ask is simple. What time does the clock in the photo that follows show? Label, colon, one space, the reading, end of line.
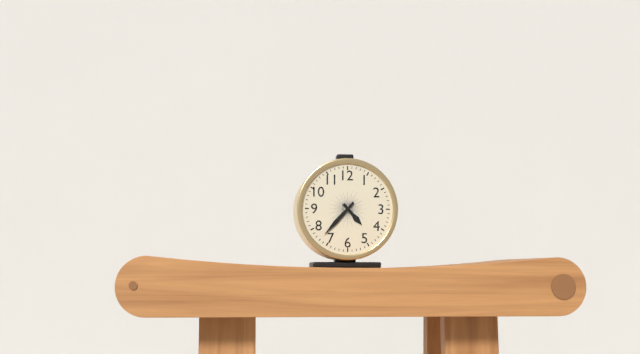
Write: 4:37
